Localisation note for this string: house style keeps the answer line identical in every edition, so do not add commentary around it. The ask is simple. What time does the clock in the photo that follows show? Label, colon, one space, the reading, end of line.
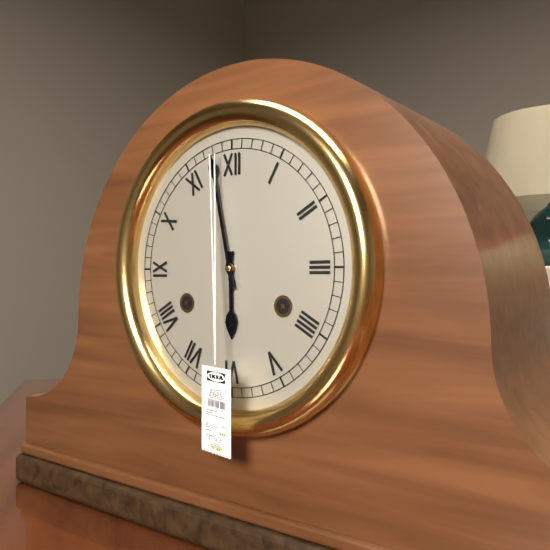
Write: 5:58
